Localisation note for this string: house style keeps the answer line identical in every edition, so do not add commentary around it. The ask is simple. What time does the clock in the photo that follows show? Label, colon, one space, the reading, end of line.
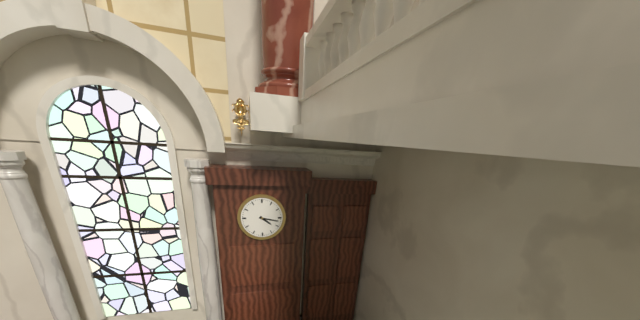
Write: 4:17
